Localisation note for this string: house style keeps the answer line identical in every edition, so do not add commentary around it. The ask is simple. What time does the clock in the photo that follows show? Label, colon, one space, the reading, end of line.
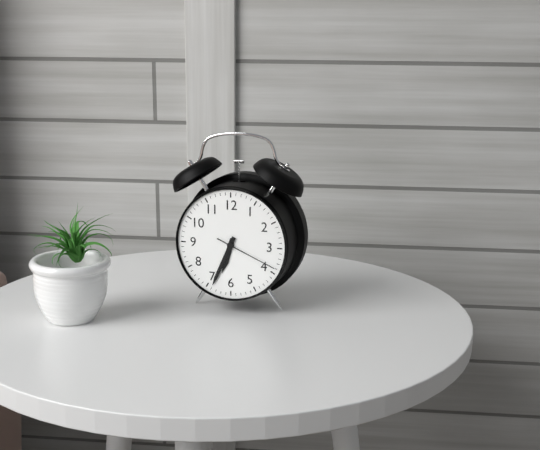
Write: 6:34:19
